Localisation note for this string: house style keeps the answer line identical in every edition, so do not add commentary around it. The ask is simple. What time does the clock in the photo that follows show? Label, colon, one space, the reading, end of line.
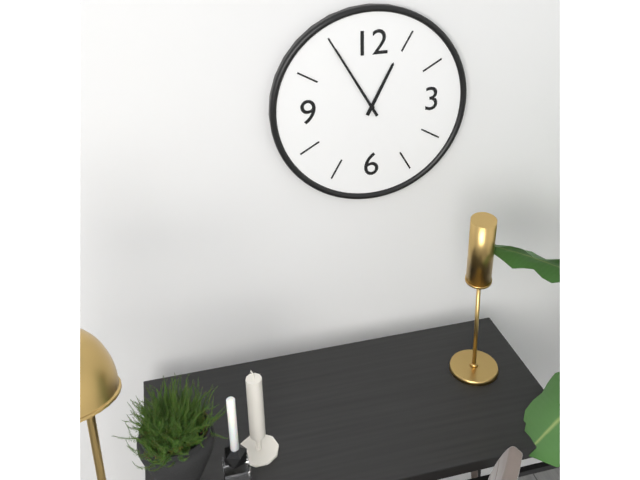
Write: 12:55
